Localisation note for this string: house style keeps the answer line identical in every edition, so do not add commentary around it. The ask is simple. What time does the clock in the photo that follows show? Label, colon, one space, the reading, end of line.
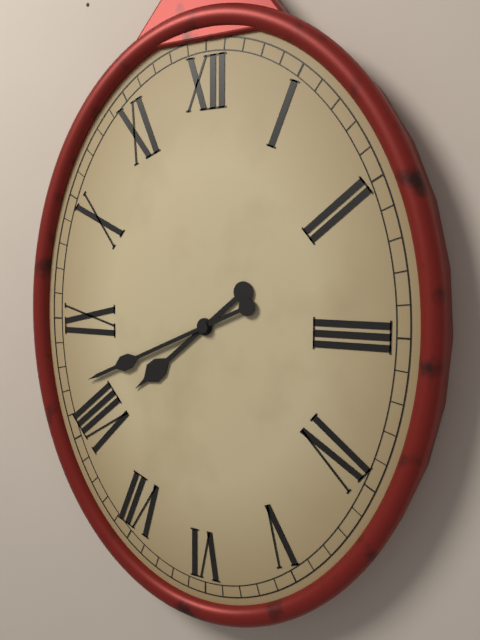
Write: 7:41
